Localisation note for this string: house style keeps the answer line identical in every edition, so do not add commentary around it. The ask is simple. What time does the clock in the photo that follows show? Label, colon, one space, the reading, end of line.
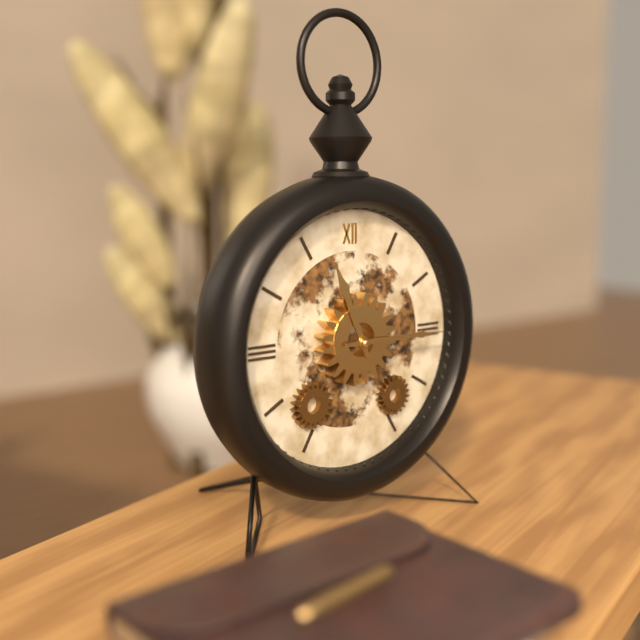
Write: 11:15
